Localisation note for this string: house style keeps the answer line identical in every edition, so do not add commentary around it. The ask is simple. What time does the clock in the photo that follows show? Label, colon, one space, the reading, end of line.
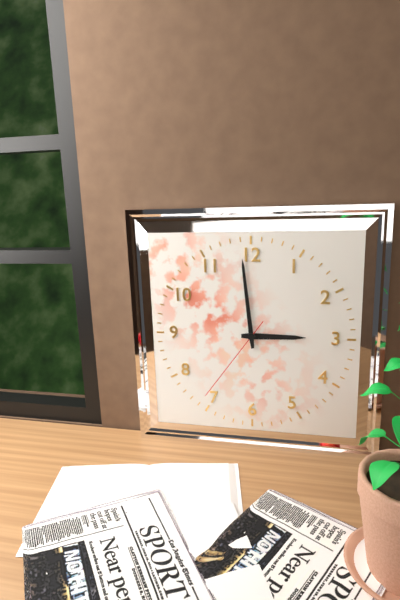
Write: 2:59:36
